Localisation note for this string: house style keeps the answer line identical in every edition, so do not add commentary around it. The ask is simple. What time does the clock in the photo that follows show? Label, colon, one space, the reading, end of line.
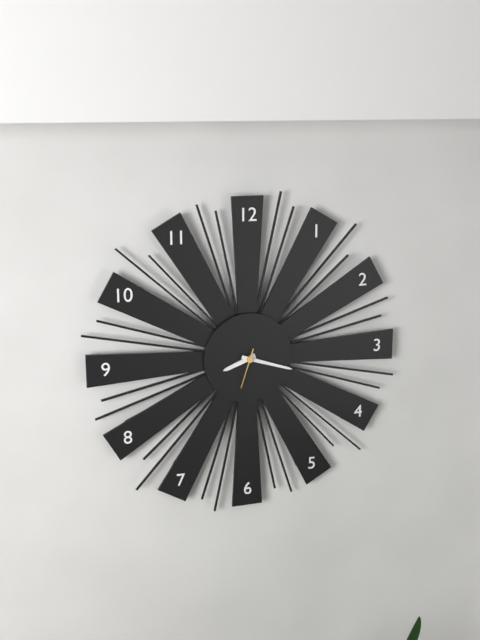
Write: 8:18
